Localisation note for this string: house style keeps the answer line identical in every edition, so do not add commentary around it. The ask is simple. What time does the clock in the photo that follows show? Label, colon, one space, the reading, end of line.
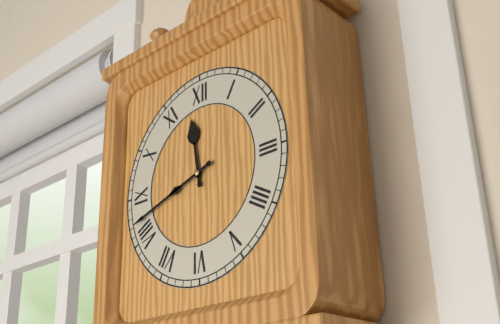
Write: 11:42
